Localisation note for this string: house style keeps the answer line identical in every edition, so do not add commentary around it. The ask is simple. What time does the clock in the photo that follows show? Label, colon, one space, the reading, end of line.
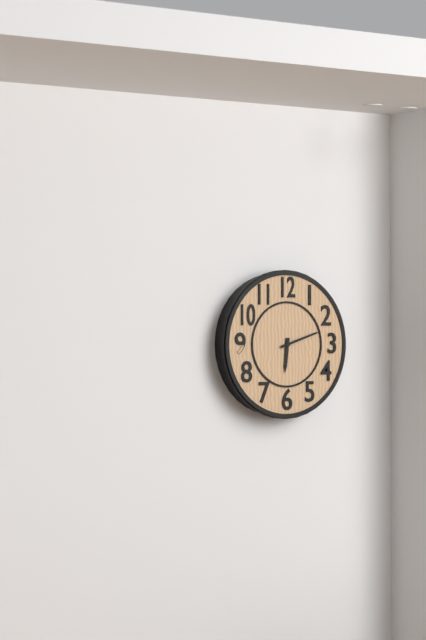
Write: 6:12
